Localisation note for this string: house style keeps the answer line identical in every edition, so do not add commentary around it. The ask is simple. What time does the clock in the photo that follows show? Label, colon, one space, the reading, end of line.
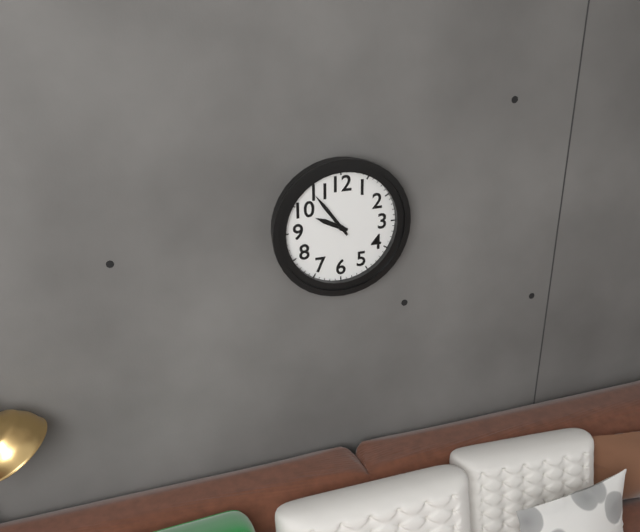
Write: 9:54
